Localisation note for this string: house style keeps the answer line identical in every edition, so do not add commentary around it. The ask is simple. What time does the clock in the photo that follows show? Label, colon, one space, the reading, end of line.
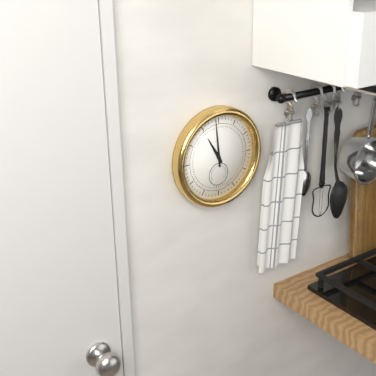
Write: 10:59
